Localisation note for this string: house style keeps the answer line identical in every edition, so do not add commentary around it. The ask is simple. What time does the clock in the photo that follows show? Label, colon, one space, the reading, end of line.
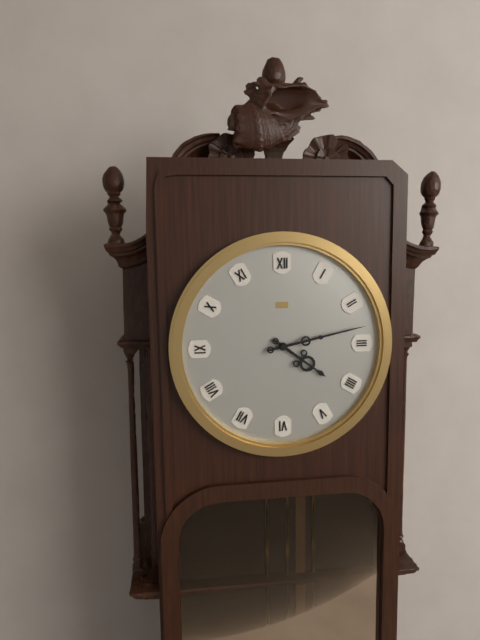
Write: 4:13
